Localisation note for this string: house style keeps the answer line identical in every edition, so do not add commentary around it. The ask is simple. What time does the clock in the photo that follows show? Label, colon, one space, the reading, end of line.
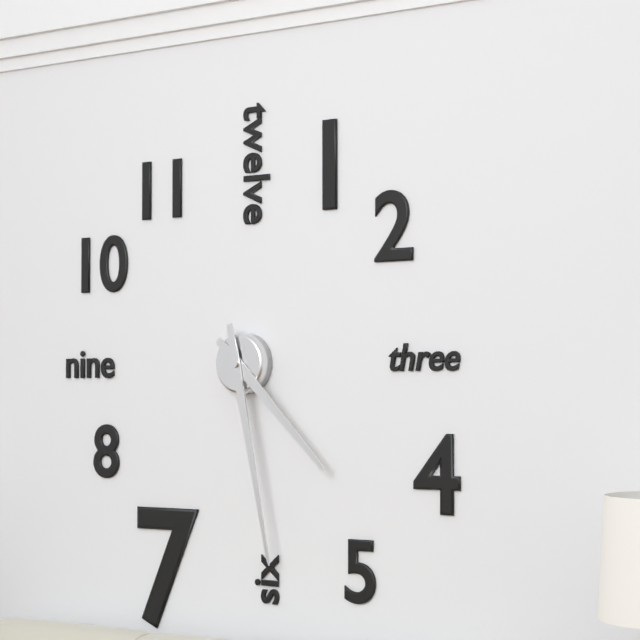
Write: 4:28
